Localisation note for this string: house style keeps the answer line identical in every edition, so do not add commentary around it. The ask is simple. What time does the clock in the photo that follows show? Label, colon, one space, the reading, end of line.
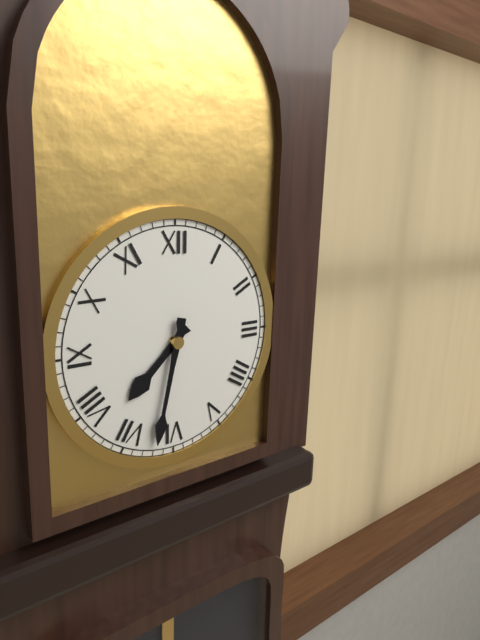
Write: 7:32
